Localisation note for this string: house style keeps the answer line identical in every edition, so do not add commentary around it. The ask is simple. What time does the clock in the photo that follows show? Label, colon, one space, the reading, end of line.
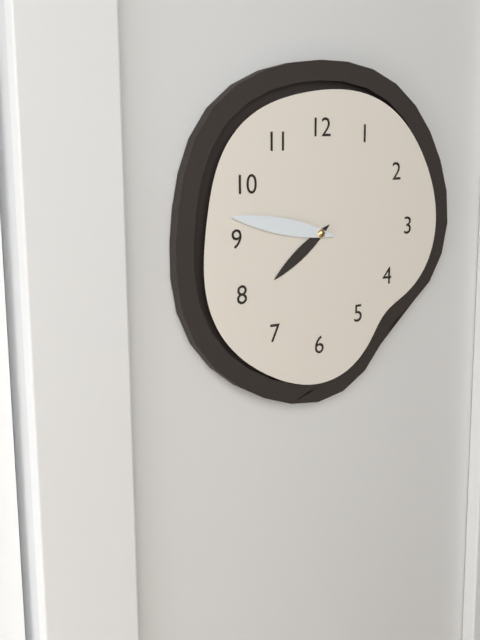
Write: 7:47
